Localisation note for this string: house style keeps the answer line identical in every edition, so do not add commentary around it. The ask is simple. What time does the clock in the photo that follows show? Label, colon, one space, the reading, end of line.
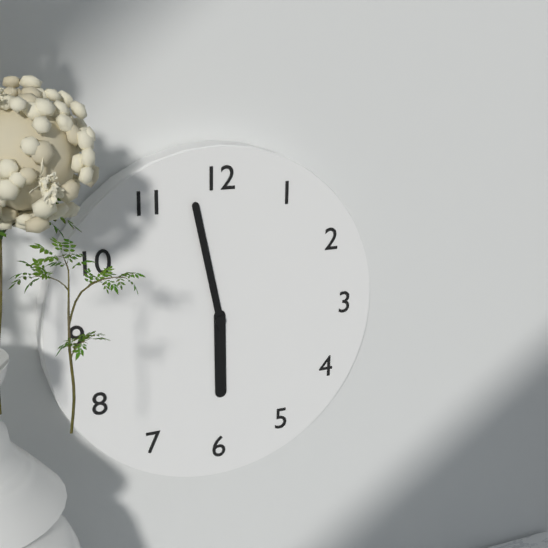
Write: 5:58
